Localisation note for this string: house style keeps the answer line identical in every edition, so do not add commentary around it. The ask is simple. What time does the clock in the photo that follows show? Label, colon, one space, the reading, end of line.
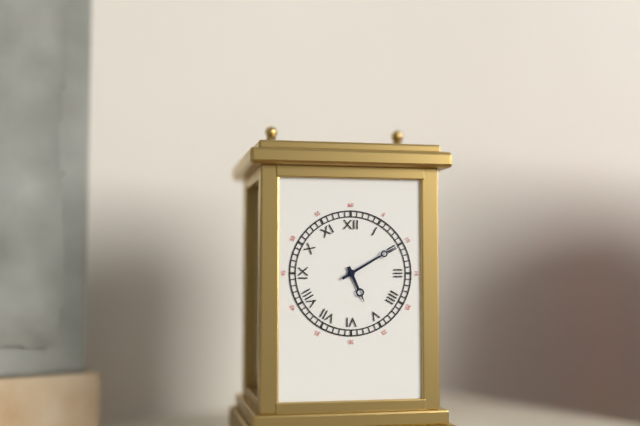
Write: 5:10
